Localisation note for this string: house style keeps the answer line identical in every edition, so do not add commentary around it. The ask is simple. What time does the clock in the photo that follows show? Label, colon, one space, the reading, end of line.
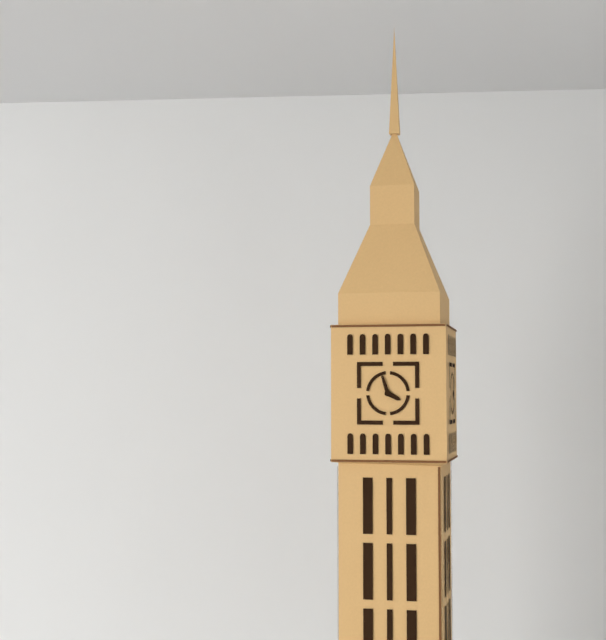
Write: 3:57
